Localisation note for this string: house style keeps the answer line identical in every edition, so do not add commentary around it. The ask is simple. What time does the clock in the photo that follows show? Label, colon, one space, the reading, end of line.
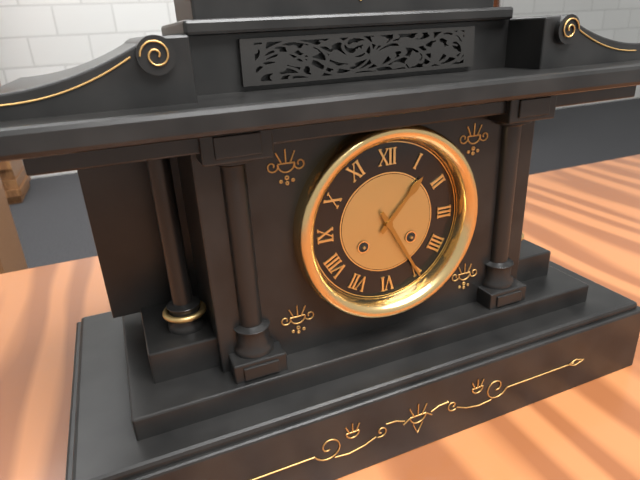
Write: 1:25
